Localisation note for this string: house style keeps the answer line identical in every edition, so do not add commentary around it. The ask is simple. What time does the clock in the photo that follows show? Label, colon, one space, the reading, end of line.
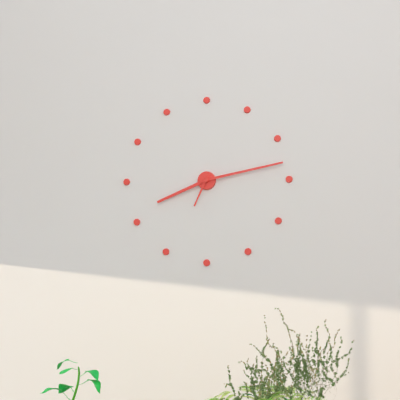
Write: 8:13
